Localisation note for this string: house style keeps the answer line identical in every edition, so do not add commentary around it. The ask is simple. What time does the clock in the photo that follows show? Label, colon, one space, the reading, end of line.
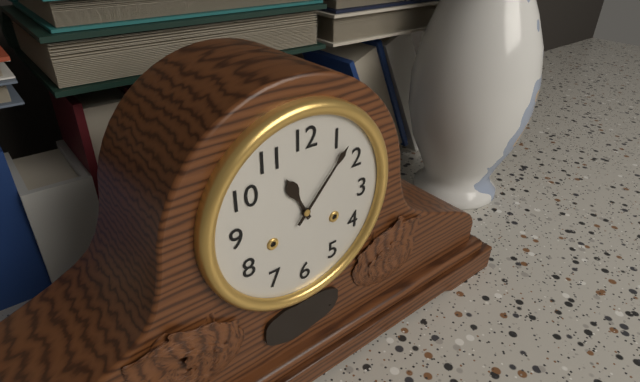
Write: 11:07
